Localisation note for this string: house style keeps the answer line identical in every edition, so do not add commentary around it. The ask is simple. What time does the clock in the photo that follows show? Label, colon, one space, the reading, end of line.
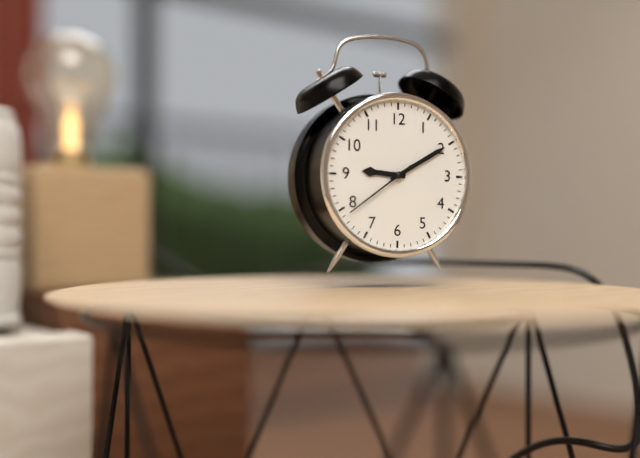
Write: 9:10:39
